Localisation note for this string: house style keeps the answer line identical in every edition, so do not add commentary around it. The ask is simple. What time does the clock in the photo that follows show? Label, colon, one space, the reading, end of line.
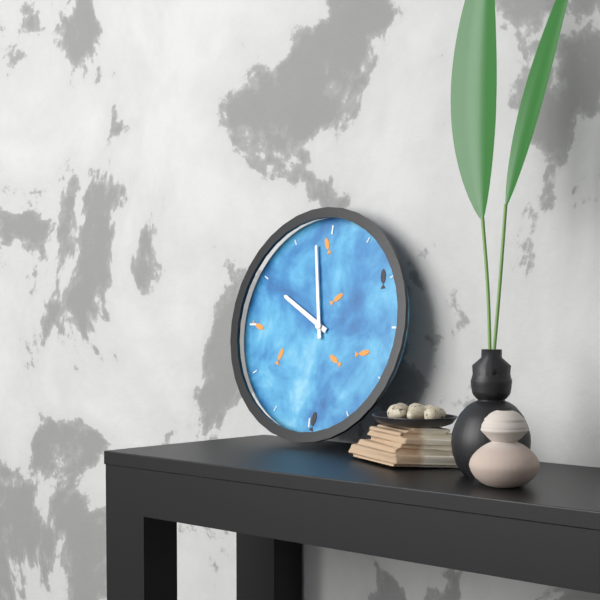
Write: 9:58
